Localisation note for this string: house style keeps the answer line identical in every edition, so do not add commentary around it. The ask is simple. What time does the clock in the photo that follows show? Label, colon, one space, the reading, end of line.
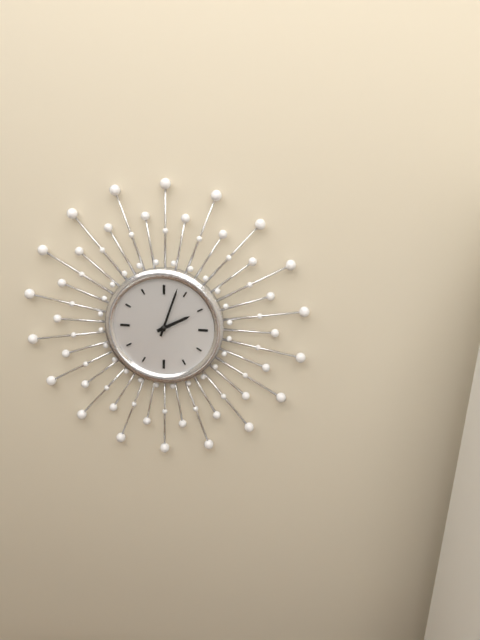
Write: 2:03
